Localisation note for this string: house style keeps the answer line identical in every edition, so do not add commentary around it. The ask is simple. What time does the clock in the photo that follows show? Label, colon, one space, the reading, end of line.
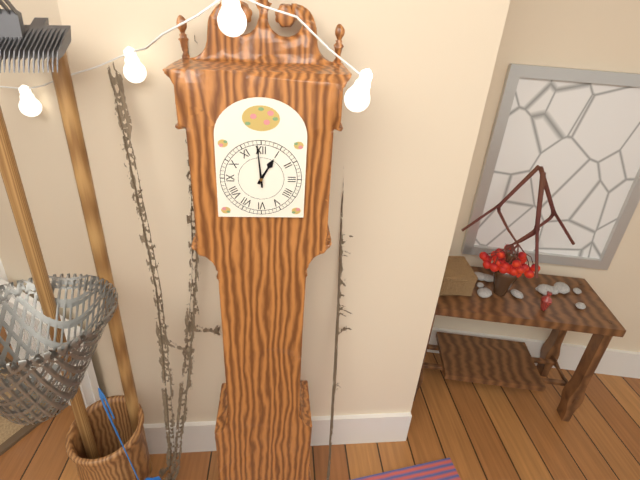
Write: 12:59
